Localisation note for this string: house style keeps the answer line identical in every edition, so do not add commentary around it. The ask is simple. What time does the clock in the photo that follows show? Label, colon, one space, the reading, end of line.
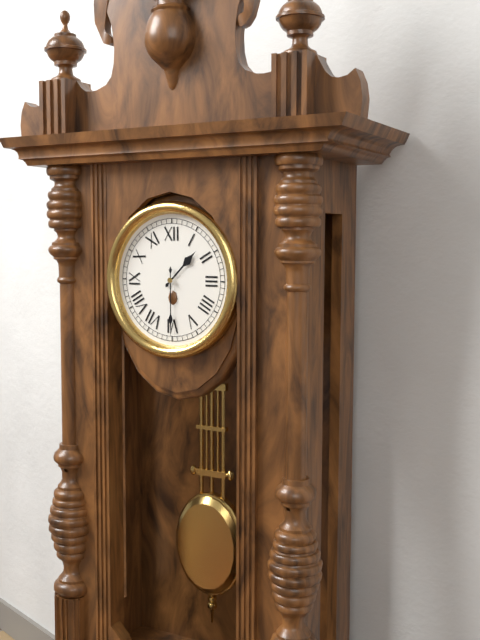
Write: 1:30
